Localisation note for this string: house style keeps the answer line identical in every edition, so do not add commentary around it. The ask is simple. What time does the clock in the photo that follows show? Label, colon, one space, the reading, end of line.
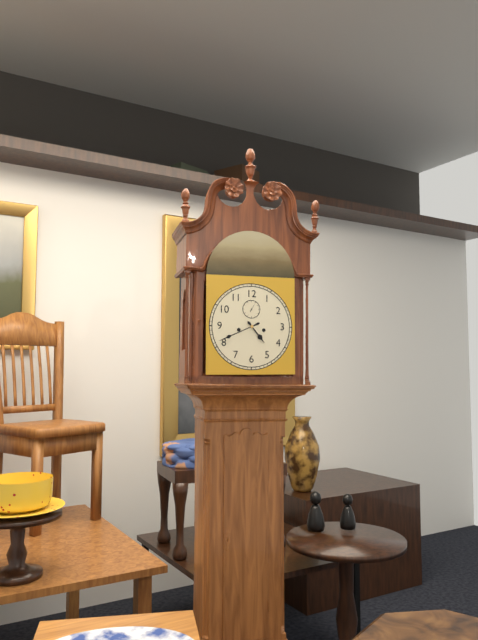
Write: 4:41
